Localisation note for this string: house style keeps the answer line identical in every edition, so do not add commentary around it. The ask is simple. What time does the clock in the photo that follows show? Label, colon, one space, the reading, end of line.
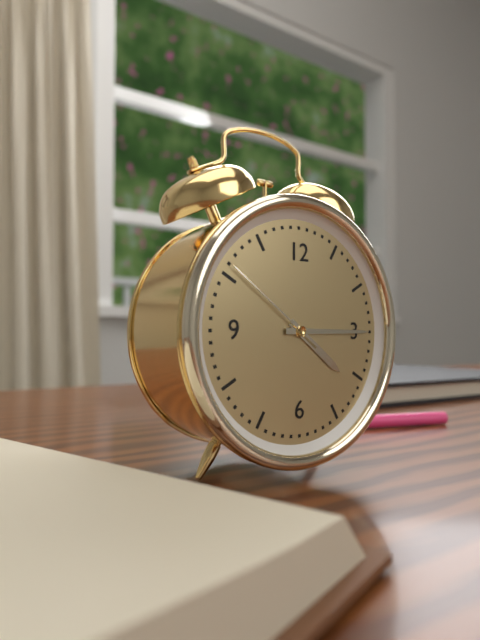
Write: 4:15:51
